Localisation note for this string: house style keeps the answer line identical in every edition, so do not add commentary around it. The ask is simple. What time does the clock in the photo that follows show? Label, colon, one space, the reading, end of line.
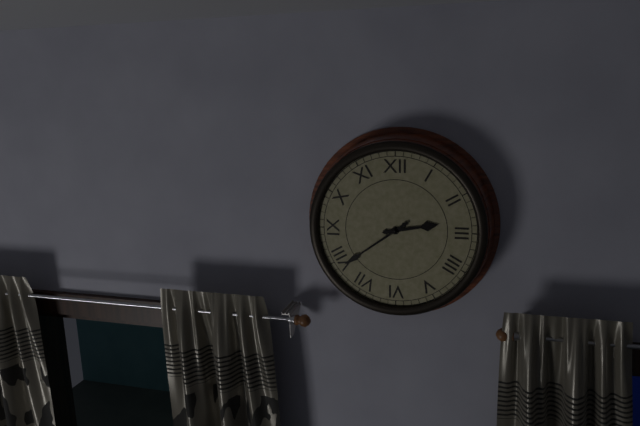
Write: 2:39
